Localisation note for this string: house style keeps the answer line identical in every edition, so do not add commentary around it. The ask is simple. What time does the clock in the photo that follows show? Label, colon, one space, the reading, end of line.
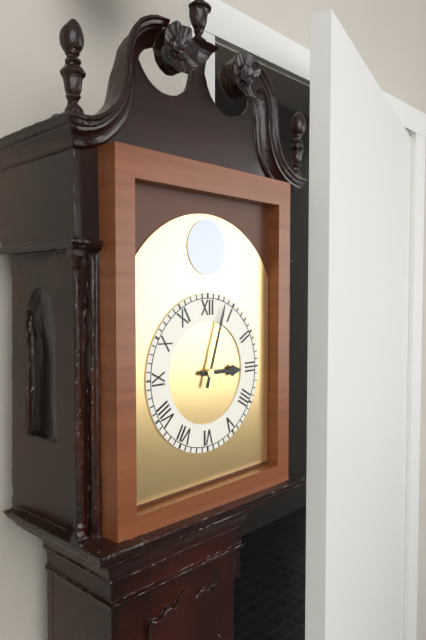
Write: 3:03
